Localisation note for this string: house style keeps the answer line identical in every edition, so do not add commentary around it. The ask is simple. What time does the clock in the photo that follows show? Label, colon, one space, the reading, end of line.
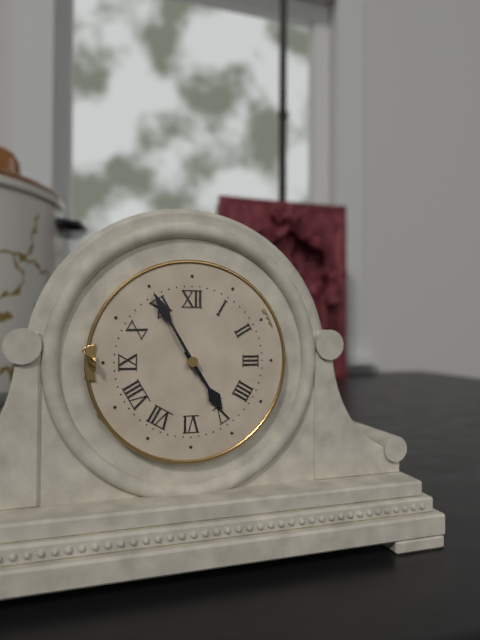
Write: 4:55
